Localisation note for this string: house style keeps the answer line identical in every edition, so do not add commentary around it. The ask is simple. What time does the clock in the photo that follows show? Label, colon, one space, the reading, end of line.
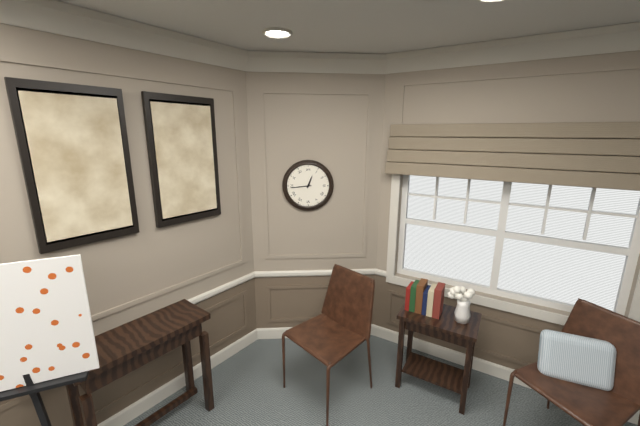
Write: 12:44
